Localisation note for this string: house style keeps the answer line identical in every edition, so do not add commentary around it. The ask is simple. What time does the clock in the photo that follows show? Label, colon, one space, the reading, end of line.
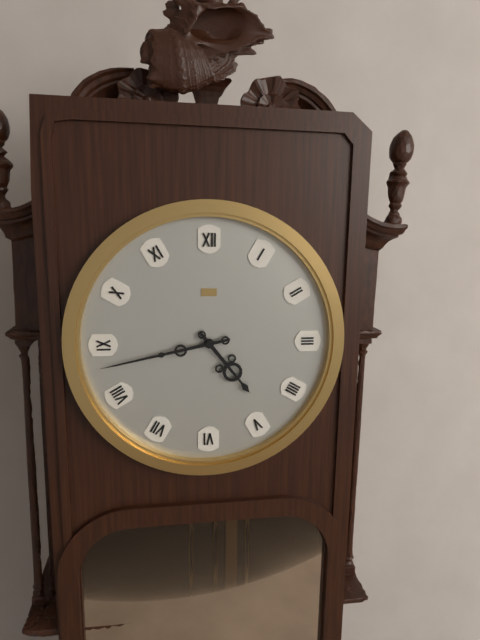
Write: 4:43
